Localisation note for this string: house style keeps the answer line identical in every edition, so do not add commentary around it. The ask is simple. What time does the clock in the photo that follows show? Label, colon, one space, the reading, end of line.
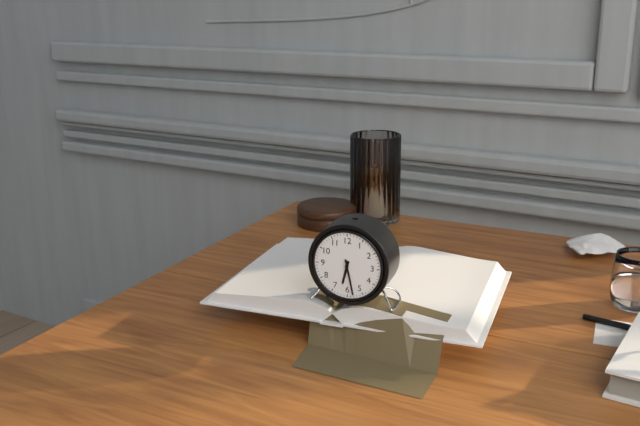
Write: 6:28
